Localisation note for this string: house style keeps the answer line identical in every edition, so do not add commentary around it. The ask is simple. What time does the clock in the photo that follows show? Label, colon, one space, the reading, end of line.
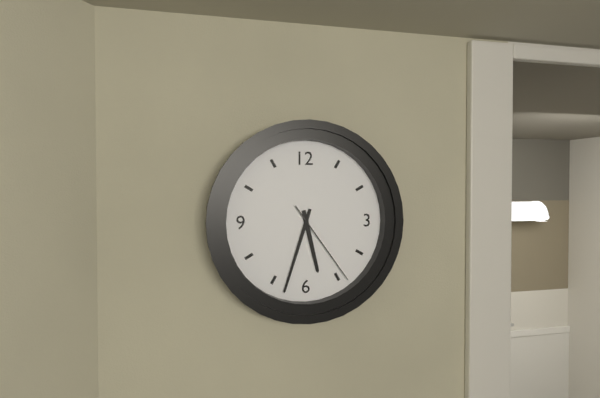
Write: 5:33:24
